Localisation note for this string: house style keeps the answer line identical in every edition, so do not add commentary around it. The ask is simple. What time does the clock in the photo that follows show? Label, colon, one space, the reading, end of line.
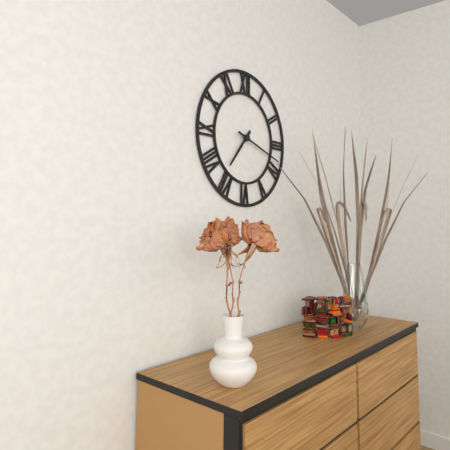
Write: 7:18
